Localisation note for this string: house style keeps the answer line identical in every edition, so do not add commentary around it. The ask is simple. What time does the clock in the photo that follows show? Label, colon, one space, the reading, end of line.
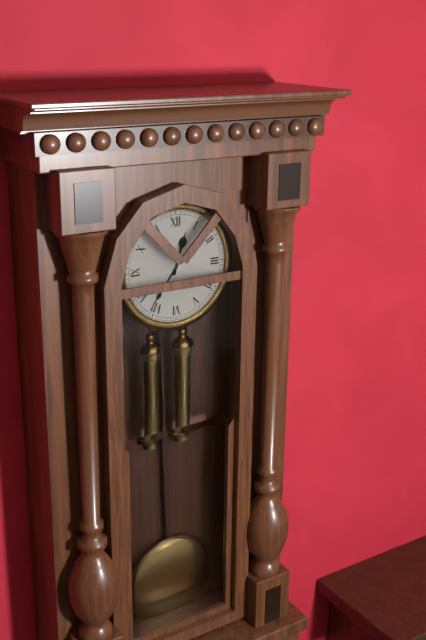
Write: 12:36
